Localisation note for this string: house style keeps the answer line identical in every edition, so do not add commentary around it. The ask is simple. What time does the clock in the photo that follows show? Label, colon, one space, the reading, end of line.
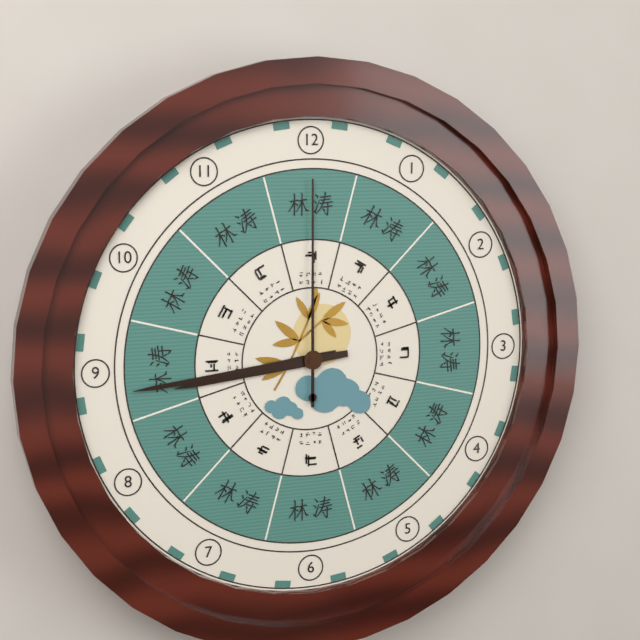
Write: 8:44:00
